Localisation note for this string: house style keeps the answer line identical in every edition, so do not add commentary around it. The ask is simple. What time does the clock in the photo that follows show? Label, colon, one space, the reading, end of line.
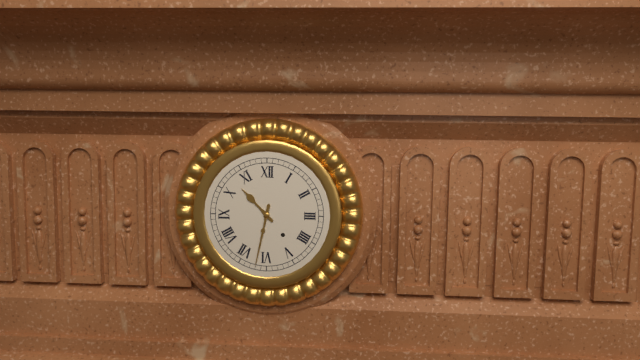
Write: 10:32
